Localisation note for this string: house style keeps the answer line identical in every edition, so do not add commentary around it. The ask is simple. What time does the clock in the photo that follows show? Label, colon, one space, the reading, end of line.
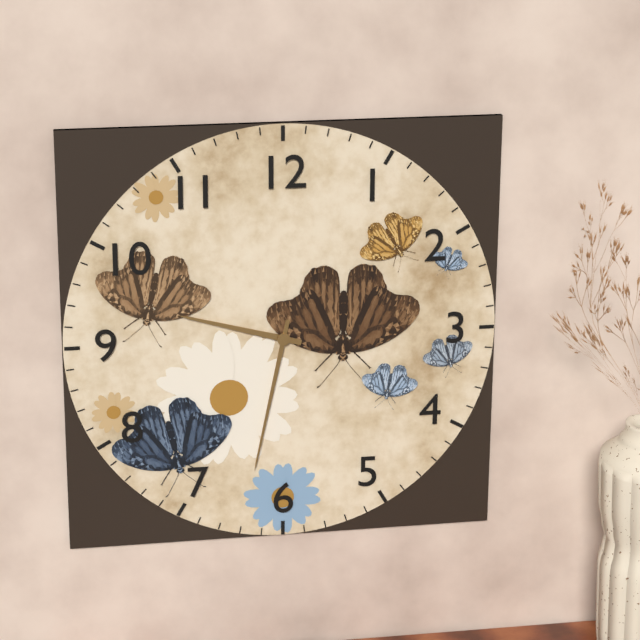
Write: 9:32
